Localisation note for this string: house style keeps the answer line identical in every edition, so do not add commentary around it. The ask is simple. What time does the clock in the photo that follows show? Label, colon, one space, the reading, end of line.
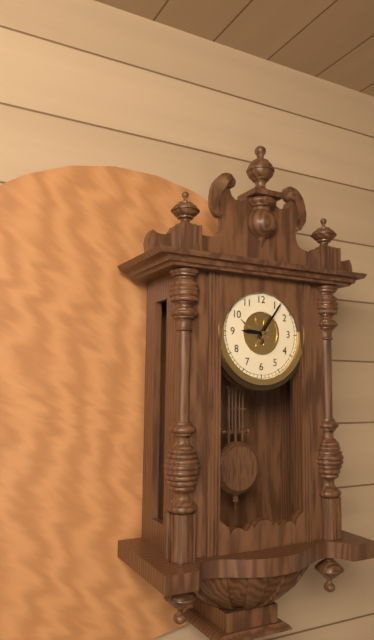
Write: 9:06
